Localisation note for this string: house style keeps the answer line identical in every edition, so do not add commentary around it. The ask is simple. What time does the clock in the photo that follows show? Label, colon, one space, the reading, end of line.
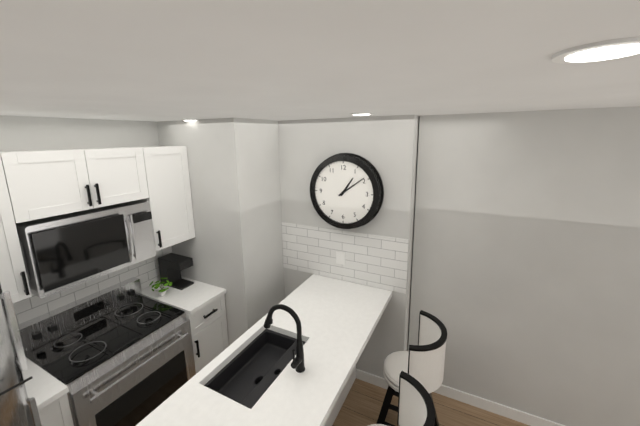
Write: 1:09
